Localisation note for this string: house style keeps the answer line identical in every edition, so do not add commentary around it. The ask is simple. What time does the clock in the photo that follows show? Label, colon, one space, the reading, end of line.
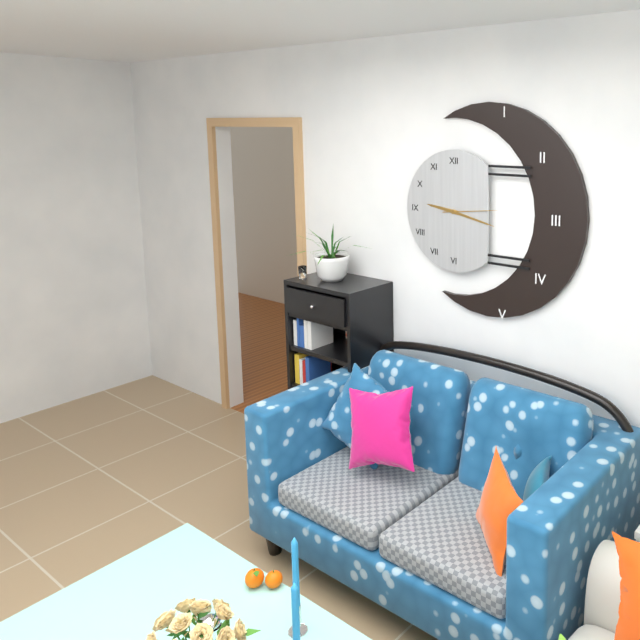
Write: 9:17:14
